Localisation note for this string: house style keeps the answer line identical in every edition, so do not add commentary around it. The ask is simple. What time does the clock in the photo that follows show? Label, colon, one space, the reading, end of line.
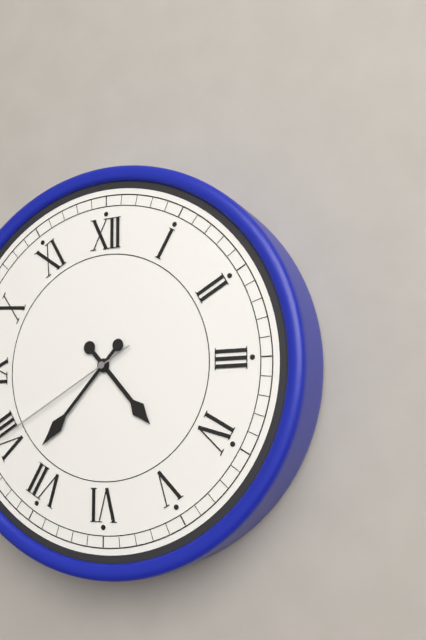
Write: 4:37
